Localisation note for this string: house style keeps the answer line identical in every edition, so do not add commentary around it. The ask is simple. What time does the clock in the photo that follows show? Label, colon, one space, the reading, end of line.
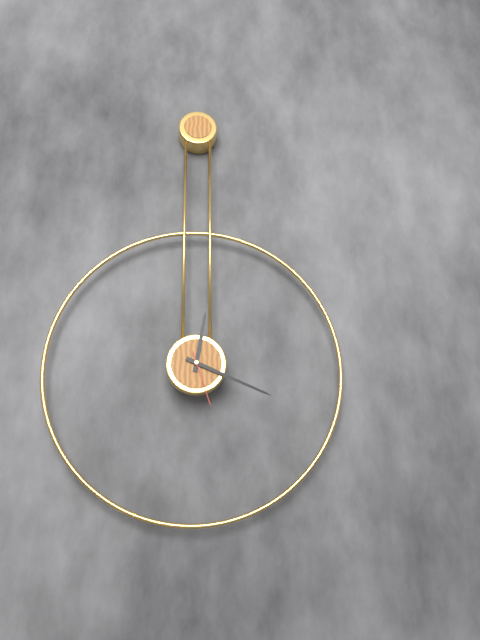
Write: 12:19:27
